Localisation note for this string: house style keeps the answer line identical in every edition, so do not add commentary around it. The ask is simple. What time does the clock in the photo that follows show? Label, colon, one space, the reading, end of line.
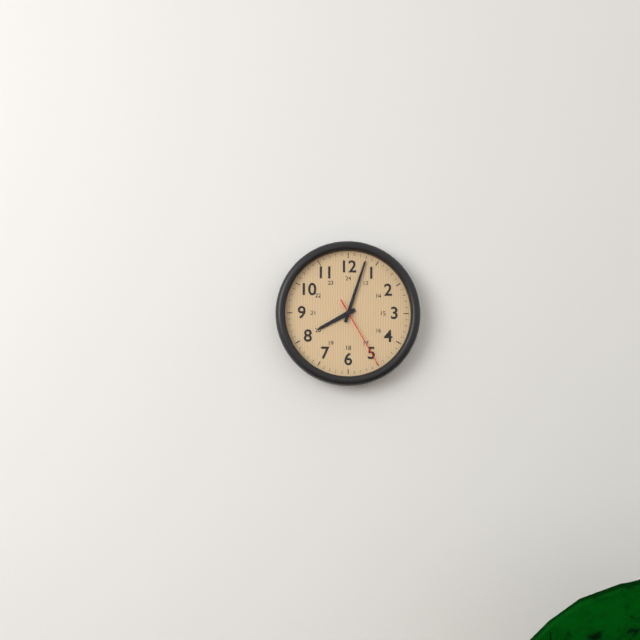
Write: 8:03:25
